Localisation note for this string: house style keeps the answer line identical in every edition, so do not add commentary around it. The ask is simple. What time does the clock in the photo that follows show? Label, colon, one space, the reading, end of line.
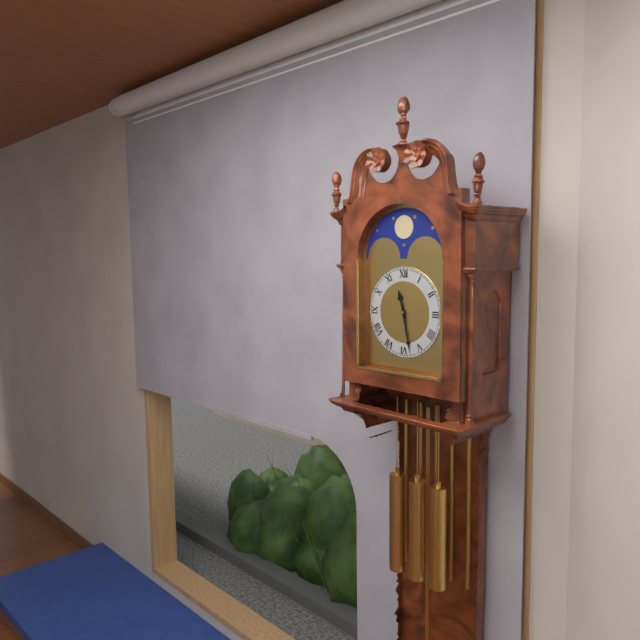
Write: 11:28
